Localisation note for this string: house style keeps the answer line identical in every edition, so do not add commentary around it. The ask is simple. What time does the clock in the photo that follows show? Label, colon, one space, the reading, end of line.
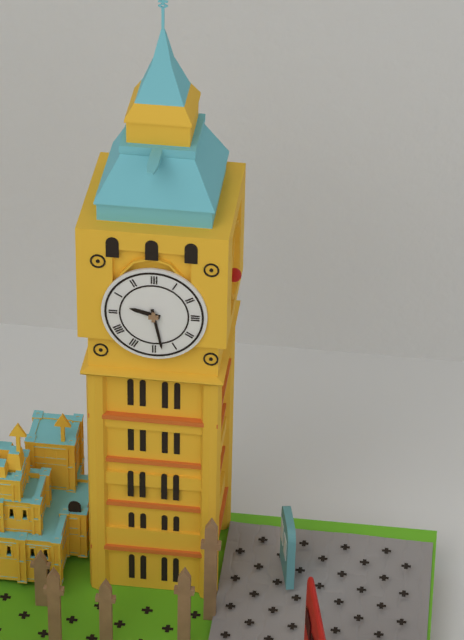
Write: 9:28
